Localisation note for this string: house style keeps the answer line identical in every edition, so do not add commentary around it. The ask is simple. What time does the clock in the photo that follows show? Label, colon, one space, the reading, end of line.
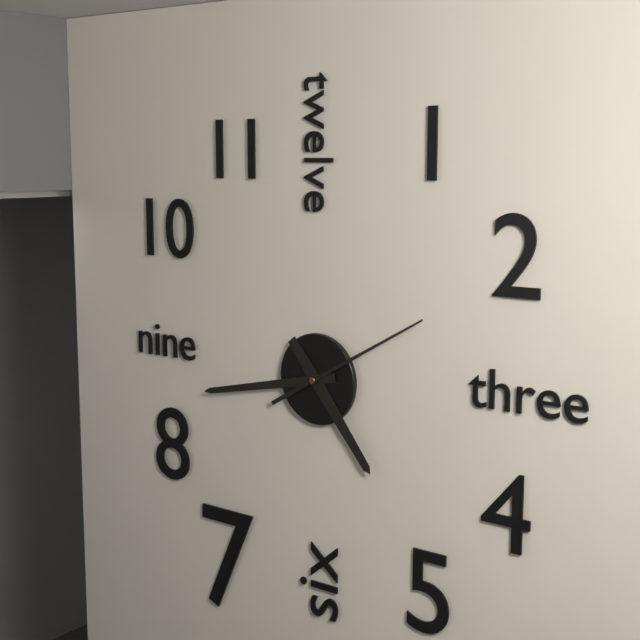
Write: 4:43:10
